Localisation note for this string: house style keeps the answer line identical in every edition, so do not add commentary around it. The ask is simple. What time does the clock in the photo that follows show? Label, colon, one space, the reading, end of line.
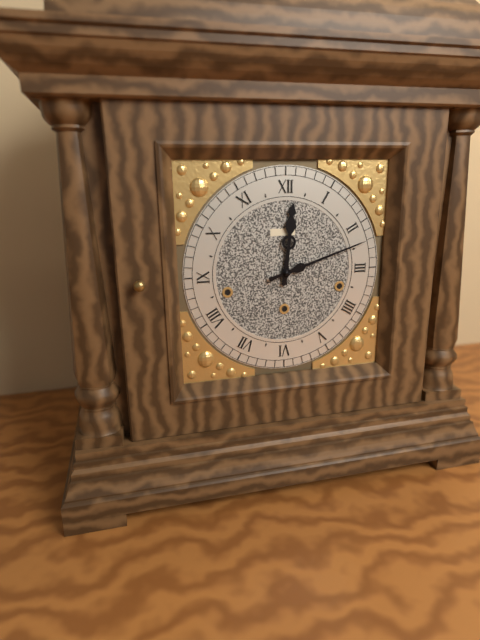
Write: 12:12
